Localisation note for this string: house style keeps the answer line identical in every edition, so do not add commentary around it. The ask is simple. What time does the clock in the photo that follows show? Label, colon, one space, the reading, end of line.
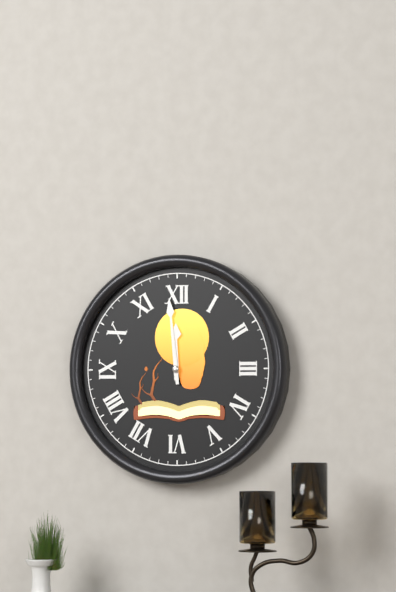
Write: 11:59
